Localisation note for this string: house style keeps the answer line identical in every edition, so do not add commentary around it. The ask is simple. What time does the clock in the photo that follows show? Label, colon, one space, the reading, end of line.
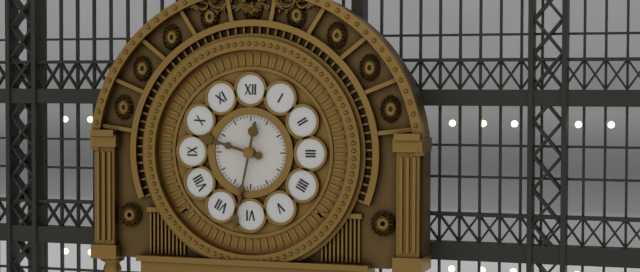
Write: 9:32
